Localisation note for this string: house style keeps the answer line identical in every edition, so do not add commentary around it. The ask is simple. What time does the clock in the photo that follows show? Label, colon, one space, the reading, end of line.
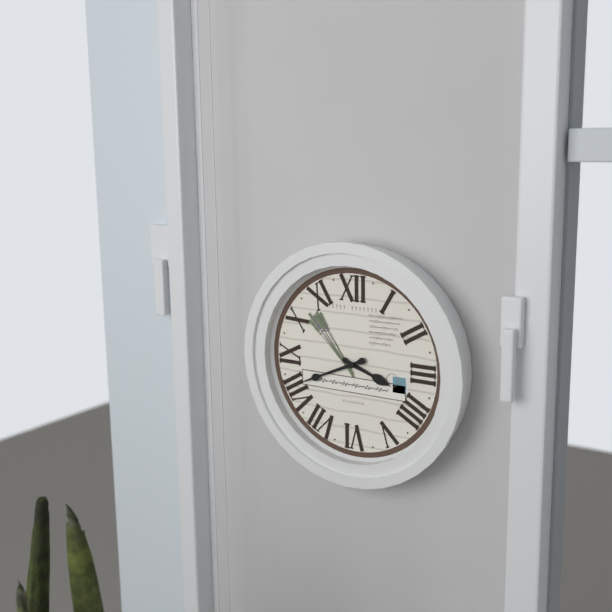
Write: 3:41
